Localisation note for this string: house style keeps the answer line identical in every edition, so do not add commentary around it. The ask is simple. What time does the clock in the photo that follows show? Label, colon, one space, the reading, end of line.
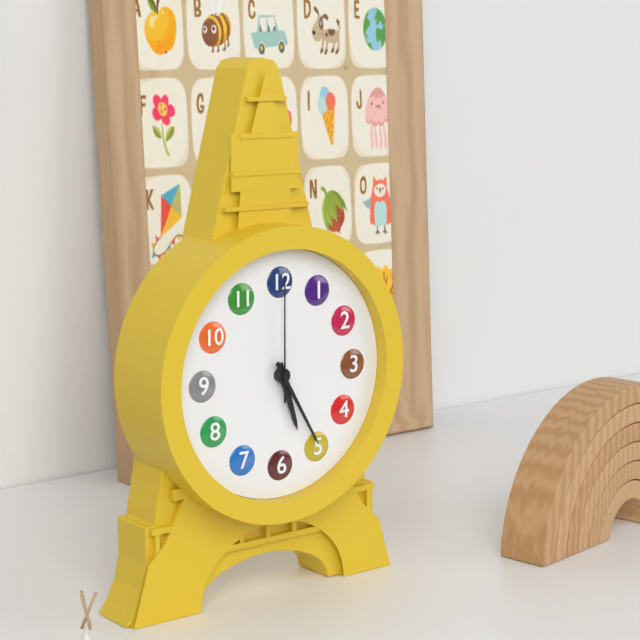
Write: 5:25:00
